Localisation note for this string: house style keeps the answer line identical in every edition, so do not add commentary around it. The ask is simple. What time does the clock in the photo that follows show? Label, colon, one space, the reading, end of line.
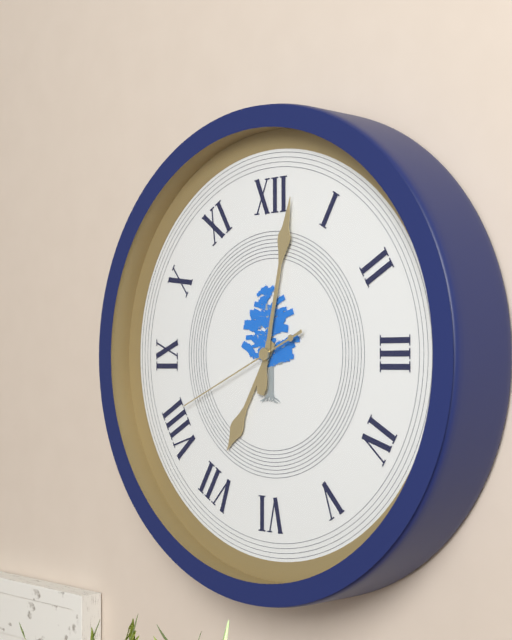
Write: 7:02:41
